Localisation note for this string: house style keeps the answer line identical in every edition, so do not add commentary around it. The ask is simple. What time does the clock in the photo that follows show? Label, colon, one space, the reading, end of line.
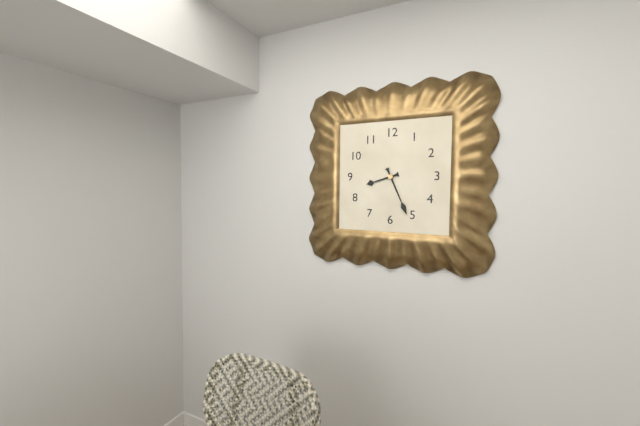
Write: 8:26
